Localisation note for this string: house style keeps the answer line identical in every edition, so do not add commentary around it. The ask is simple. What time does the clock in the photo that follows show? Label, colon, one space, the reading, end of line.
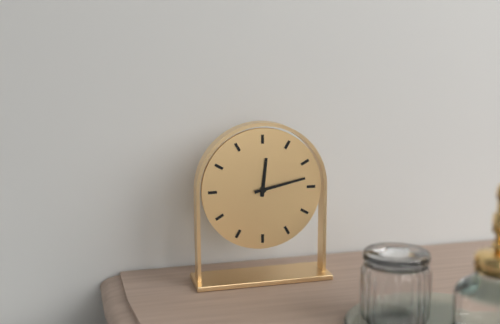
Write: 12:13
